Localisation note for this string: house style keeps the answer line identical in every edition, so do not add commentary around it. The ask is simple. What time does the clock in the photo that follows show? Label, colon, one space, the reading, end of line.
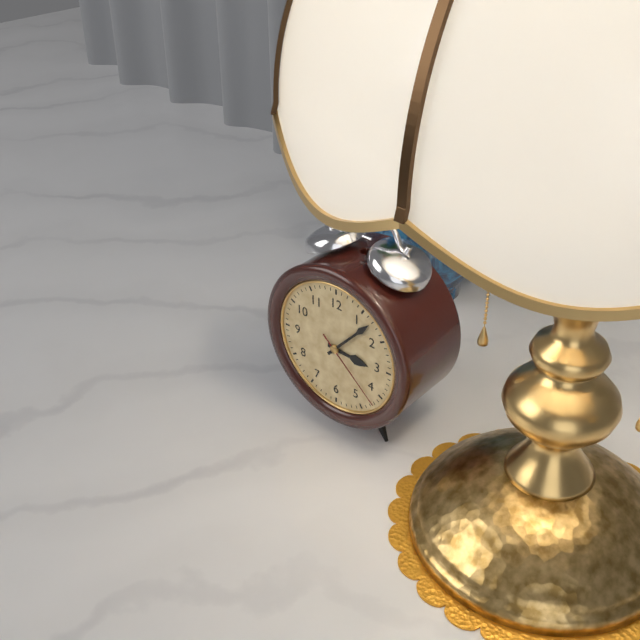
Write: 3:07:22
